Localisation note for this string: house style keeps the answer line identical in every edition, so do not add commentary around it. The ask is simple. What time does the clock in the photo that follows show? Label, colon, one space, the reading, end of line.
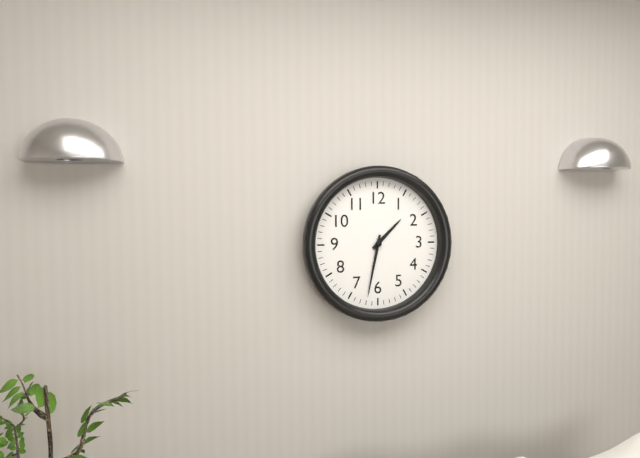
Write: 1:32
